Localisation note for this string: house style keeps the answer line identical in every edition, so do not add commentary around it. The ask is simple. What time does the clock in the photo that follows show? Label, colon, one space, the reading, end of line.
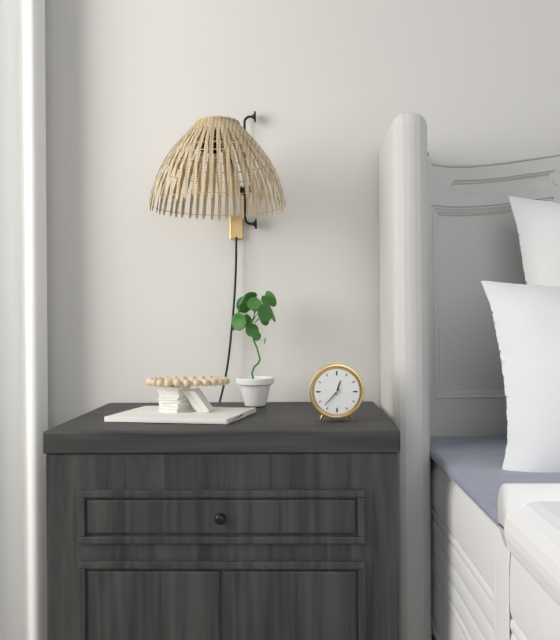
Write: 12:37
